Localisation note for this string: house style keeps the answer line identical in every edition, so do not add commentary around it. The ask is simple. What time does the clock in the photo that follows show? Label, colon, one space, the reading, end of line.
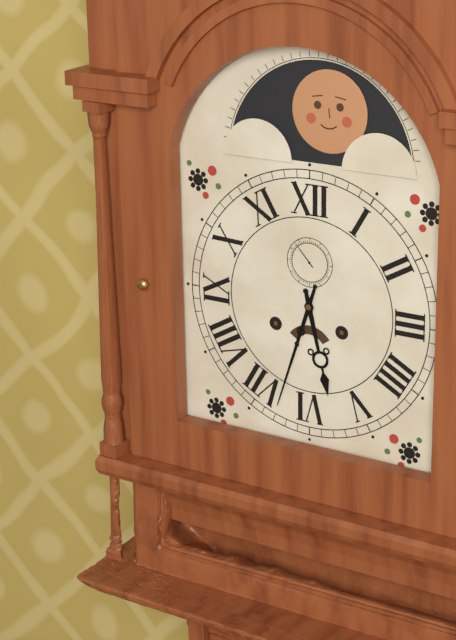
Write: 5:33
